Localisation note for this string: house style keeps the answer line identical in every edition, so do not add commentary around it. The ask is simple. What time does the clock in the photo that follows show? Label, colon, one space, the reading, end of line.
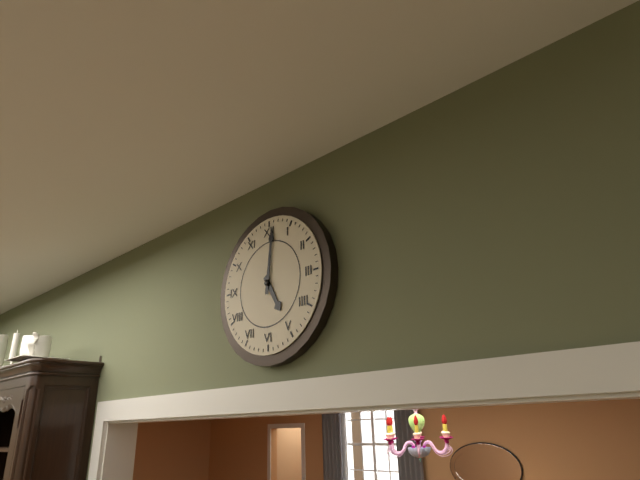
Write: 5:01
